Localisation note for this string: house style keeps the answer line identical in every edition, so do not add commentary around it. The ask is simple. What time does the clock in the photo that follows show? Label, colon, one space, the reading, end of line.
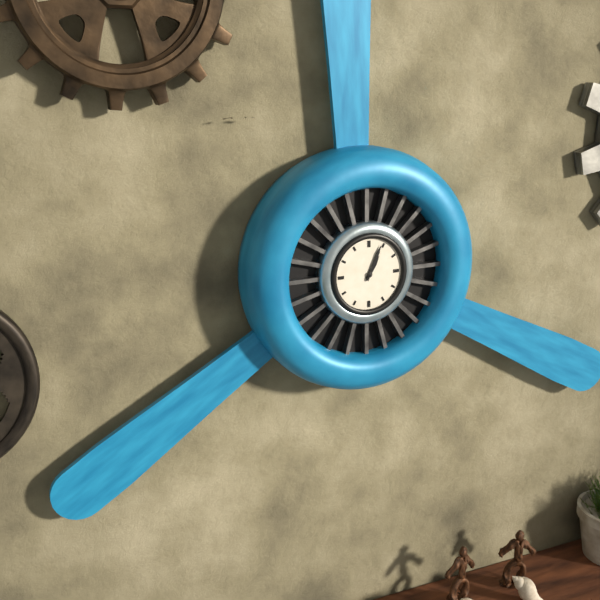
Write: 1:04
